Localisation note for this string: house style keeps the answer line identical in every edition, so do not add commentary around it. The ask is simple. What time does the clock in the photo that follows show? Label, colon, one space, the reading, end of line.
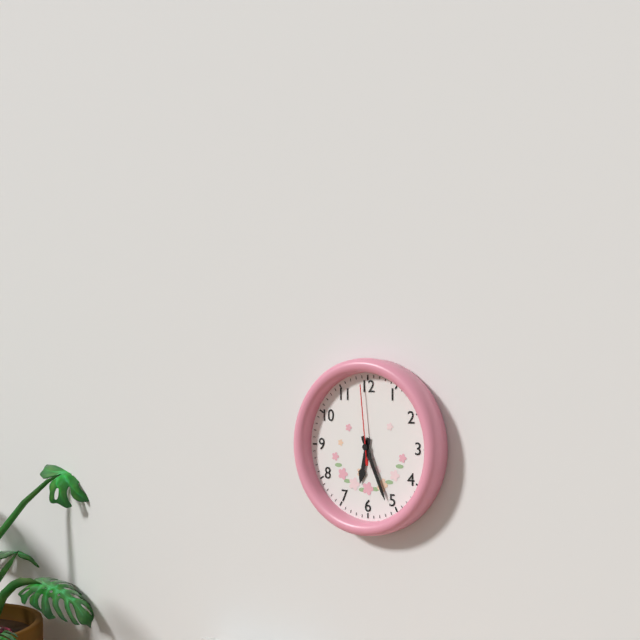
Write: 6:26:59
